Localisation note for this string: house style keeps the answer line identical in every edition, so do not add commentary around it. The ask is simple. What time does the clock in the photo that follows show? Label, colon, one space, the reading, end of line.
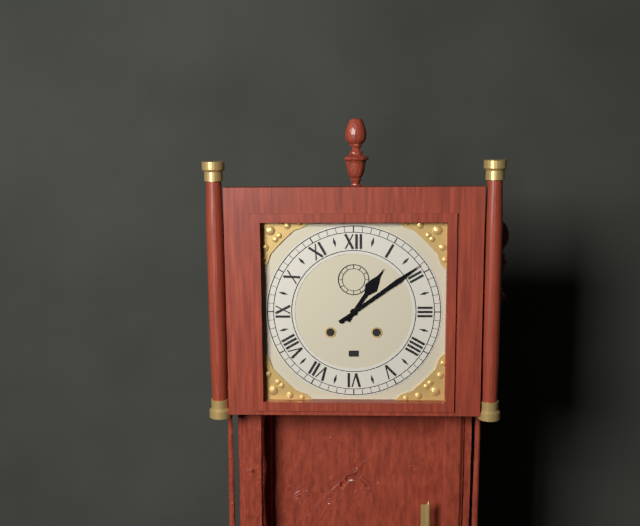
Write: 1:09
